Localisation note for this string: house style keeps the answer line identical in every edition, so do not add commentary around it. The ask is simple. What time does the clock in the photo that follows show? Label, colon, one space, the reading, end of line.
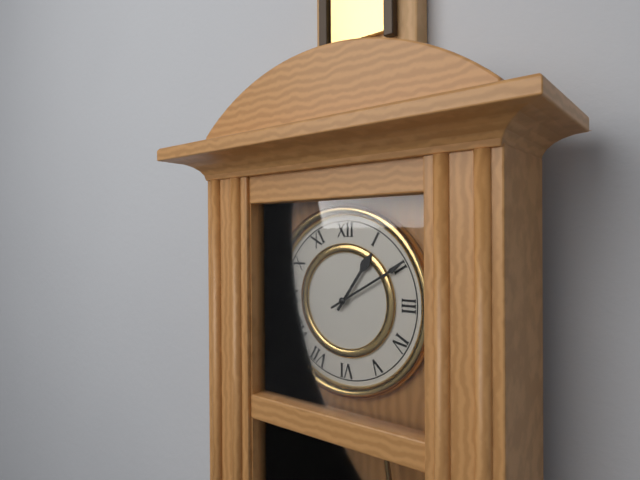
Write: 1:10
